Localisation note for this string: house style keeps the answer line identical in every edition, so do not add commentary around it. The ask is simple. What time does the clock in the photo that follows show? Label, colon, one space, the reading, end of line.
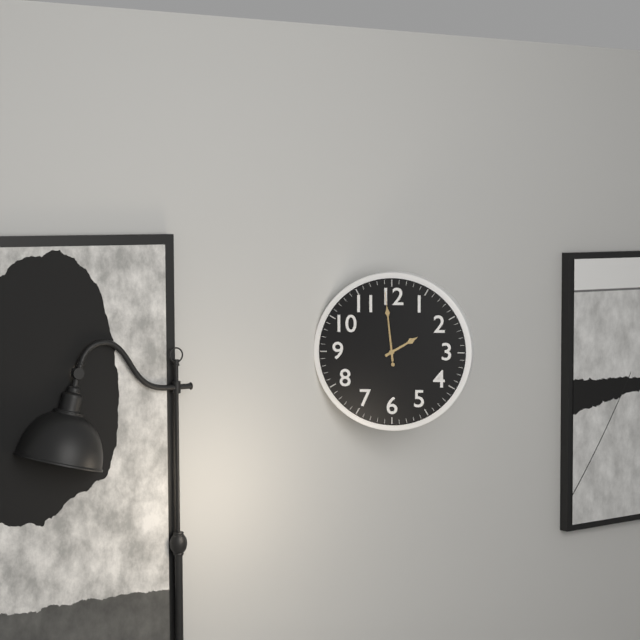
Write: 1:59:59
